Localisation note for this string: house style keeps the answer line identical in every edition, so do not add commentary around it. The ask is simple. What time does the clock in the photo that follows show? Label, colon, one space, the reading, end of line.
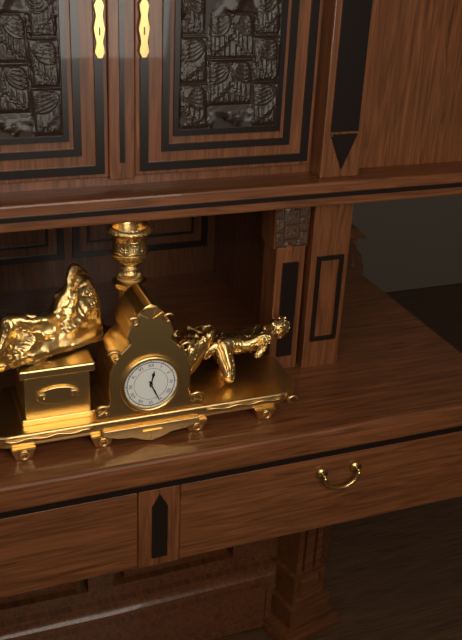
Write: 12:26
